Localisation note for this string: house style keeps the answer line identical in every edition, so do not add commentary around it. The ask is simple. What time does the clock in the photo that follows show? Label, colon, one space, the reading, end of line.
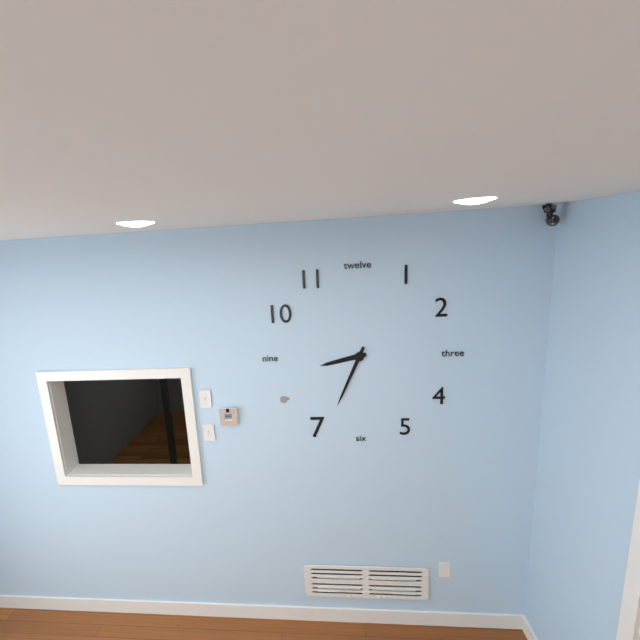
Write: 8:34
